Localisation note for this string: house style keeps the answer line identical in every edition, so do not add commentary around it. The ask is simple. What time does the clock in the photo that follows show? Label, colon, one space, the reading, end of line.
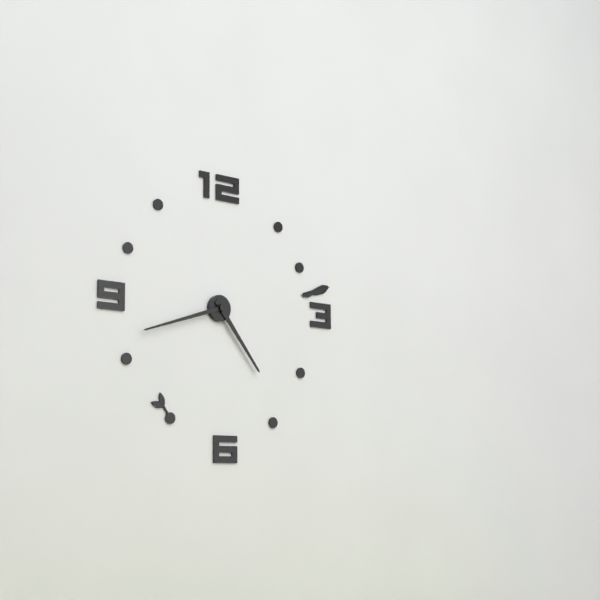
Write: 4:42
